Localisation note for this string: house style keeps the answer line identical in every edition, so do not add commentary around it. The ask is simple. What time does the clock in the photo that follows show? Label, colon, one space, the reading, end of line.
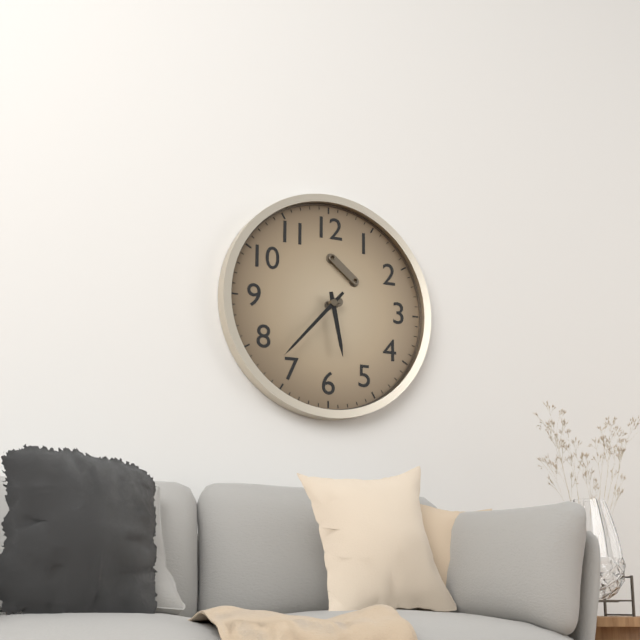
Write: 5:37
